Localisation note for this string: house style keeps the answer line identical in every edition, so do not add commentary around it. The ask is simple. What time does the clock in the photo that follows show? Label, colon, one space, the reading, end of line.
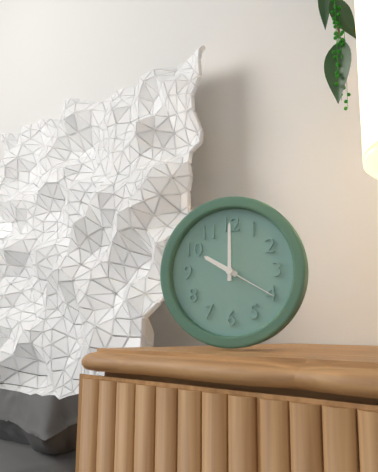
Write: 10:00:20
